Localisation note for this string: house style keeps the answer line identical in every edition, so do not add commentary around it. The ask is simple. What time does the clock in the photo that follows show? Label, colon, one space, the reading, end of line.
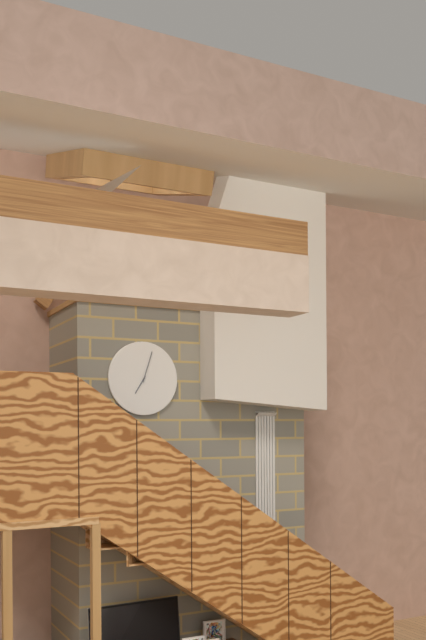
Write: 7:03
